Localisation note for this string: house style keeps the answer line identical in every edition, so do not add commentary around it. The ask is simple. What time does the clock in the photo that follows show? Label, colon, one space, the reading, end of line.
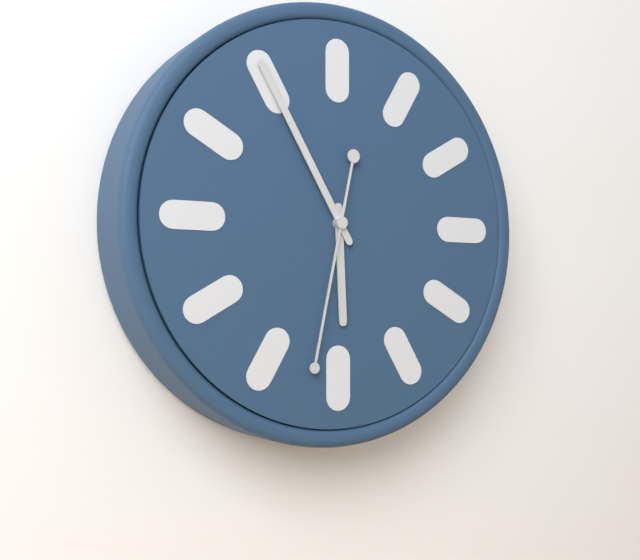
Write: 5:55:32
